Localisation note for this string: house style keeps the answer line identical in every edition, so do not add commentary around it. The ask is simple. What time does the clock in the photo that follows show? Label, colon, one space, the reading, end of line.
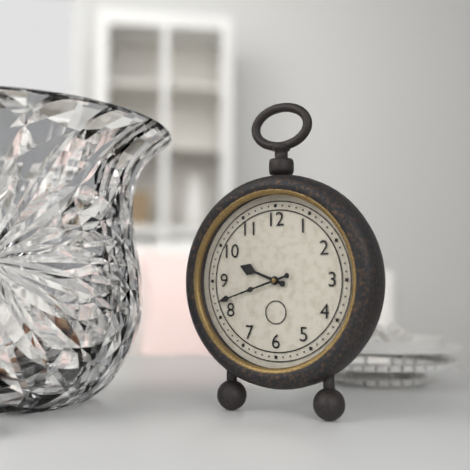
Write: 9:42
